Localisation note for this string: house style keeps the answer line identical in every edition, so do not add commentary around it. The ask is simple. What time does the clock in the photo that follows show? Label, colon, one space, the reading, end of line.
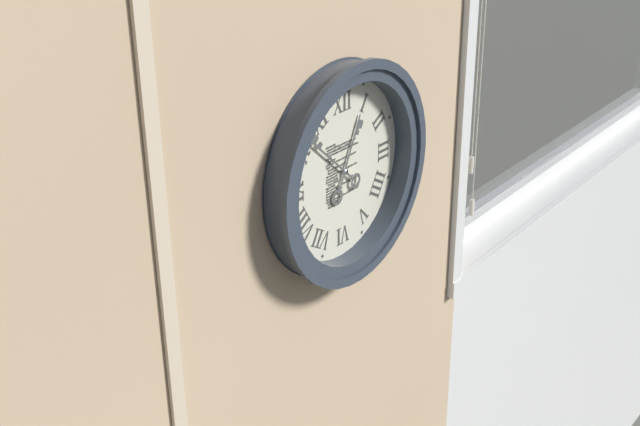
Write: 12:52
